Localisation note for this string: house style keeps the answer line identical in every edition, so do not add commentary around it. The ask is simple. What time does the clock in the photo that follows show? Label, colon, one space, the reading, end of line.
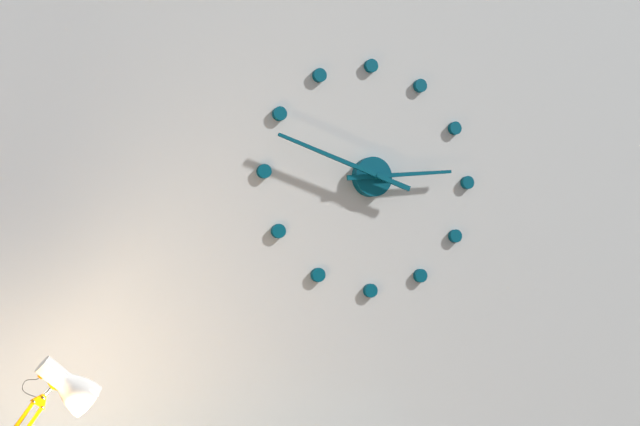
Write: 2:48
